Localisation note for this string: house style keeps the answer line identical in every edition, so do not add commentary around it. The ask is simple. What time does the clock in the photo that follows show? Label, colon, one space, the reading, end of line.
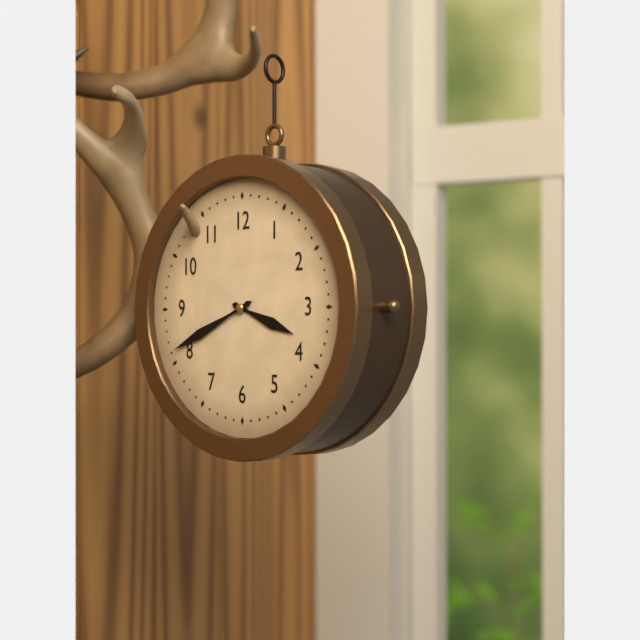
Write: 3:41
